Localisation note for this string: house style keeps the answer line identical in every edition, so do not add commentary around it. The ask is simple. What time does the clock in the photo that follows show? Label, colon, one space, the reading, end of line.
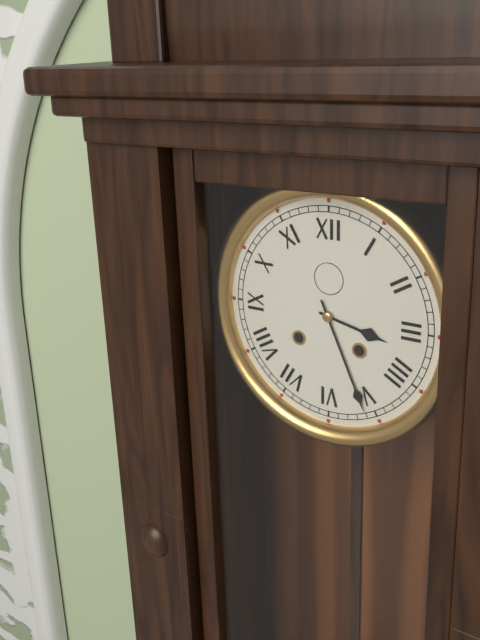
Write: 3:26
